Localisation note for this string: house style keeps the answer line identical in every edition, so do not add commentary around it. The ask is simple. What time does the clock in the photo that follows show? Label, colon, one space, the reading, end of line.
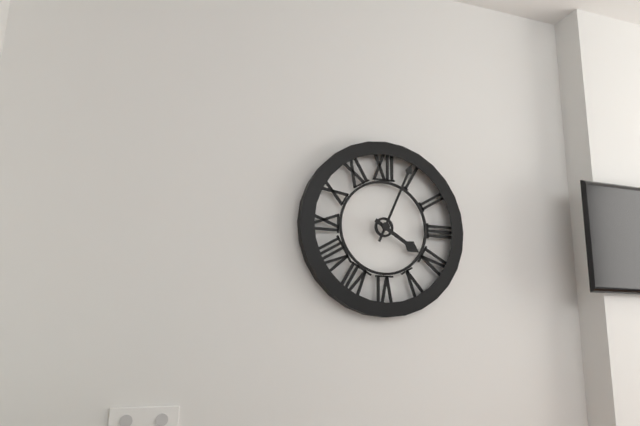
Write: 4:04
